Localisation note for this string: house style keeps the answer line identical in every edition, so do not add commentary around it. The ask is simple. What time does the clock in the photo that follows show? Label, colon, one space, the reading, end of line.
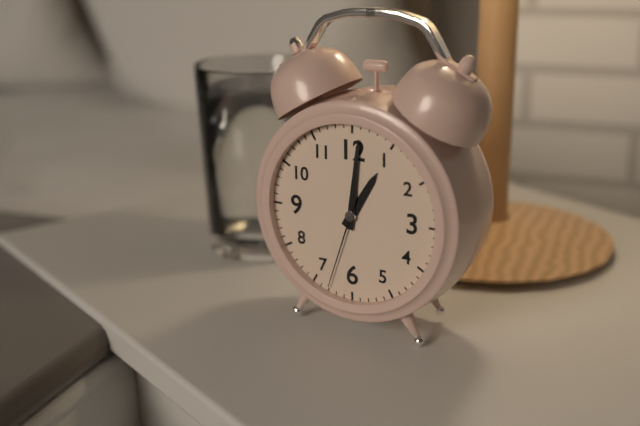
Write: 1:01:33
